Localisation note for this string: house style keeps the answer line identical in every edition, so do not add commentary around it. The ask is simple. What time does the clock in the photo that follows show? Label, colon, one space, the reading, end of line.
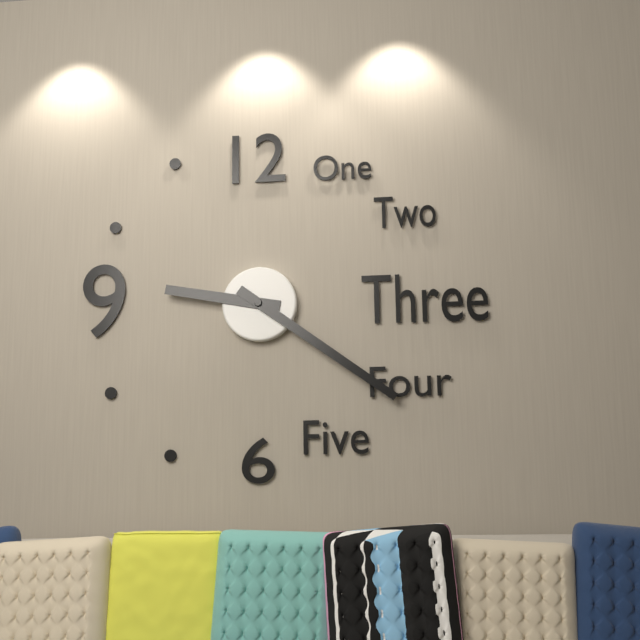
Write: 9:21
